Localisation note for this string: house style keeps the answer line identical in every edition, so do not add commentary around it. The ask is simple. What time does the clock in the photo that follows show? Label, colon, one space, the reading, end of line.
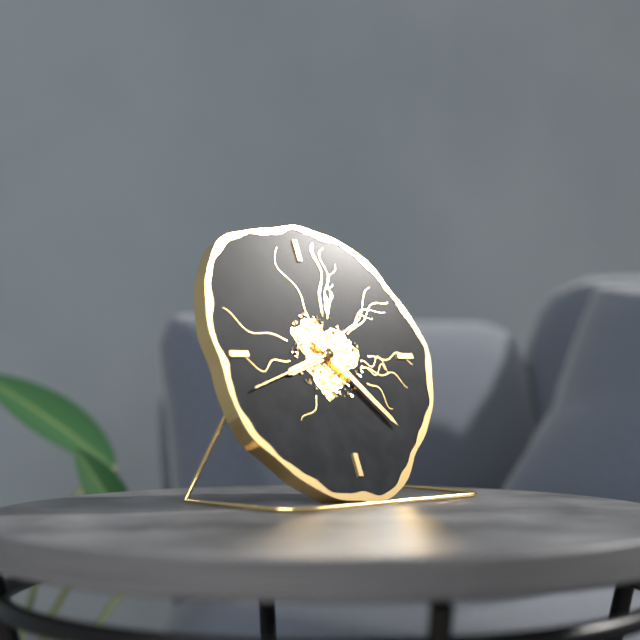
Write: 8:23:42
